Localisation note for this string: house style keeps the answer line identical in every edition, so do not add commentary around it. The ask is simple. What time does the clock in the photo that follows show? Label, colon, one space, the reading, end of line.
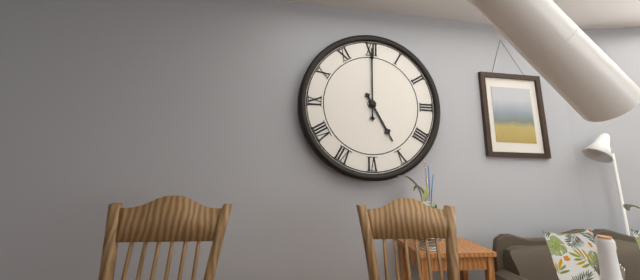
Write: 5:00
